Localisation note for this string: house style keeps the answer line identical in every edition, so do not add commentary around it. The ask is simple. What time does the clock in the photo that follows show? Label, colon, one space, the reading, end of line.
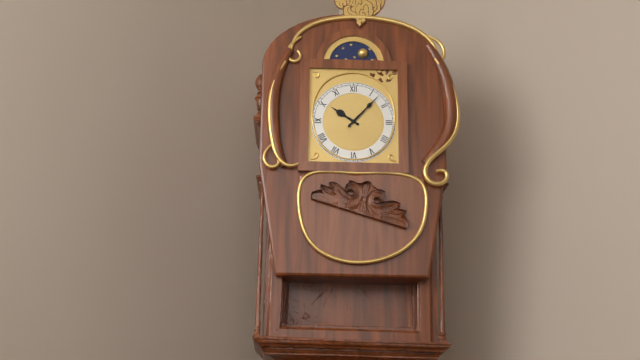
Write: 10:07
